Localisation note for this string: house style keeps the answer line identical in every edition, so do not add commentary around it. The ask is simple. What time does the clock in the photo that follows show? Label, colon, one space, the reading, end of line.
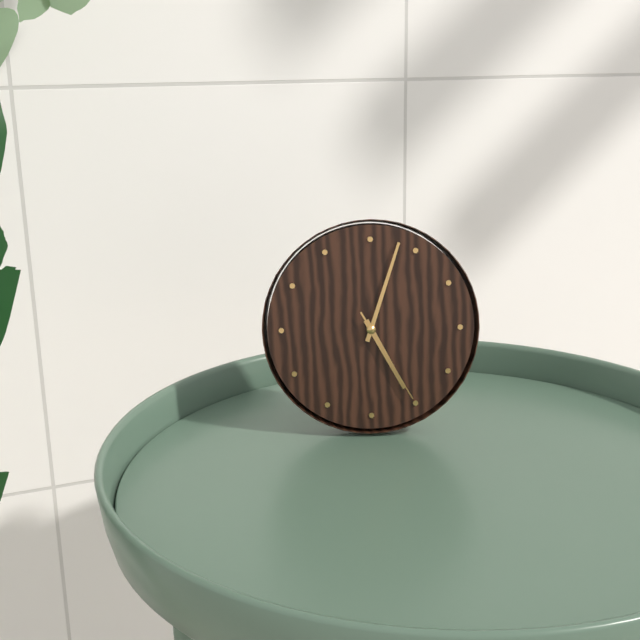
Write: 5:03:25
